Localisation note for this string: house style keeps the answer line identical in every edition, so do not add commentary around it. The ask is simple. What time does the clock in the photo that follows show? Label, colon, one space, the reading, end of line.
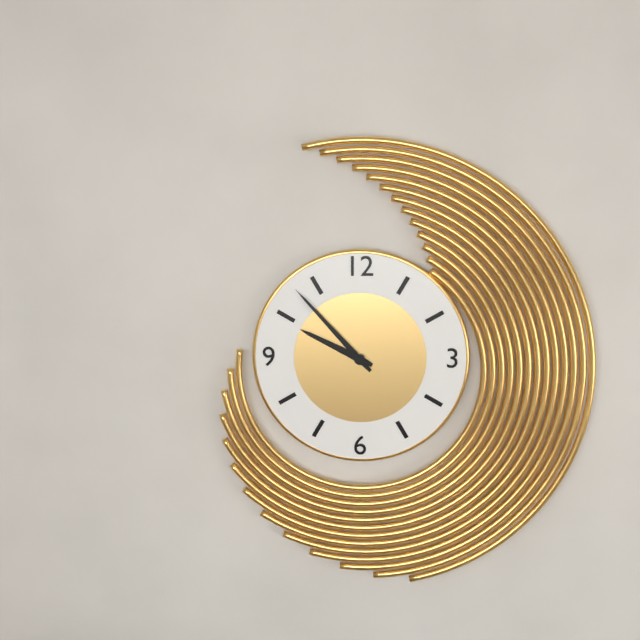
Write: 9:53
